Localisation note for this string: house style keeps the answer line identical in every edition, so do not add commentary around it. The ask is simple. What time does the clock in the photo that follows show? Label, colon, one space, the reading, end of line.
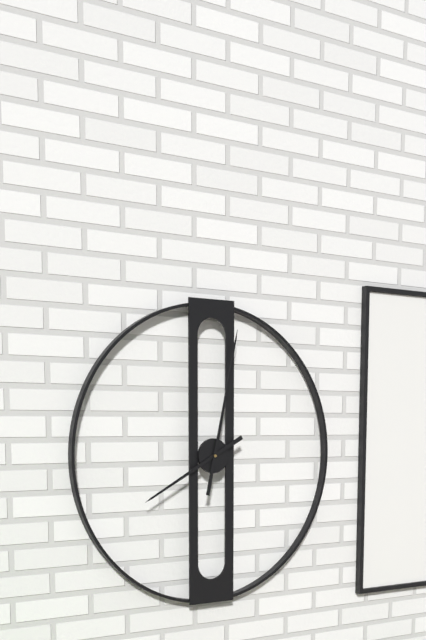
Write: 8:02
